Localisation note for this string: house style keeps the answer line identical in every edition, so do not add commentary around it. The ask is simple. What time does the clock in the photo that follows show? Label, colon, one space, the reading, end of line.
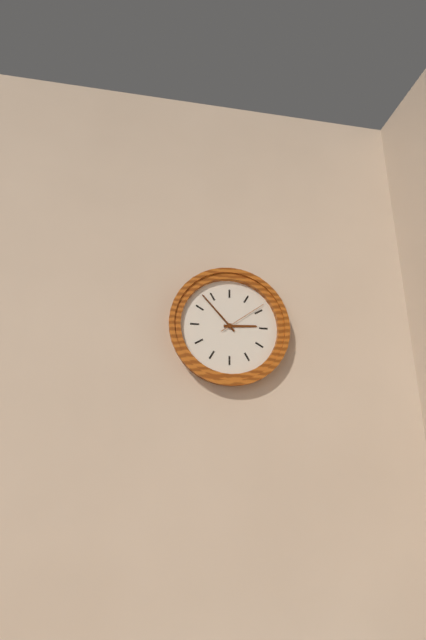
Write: 2:53:09
